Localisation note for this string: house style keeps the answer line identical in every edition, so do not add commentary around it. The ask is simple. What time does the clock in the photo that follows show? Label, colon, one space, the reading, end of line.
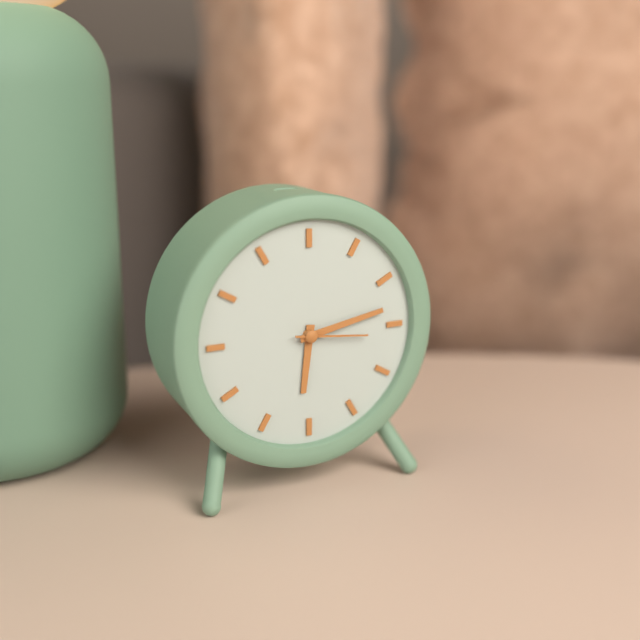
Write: 6:13:16
